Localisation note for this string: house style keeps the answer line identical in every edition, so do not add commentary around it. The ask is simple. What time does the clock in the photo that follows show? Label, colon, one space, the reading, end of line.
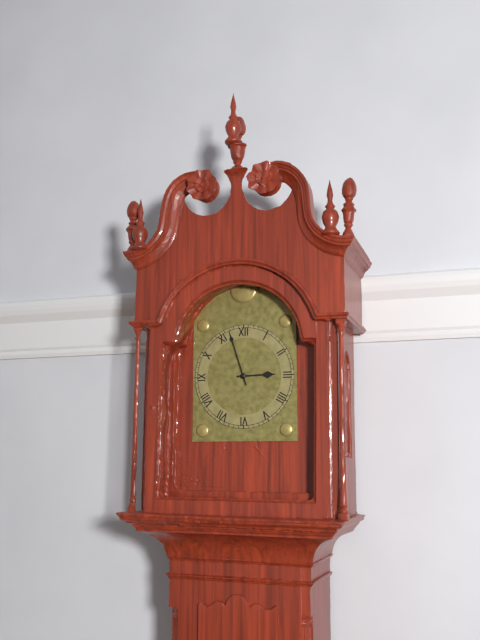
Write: 2:57
